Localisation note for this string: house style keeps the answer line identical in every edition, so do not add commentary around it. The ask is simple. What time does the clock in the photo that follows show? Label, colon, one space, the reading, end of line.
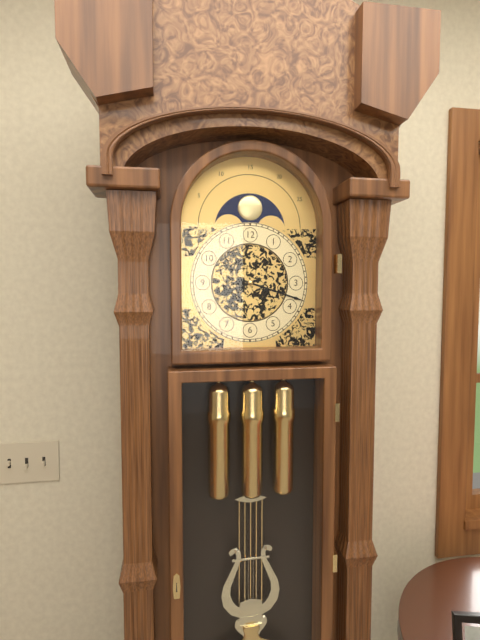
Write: 8:18
